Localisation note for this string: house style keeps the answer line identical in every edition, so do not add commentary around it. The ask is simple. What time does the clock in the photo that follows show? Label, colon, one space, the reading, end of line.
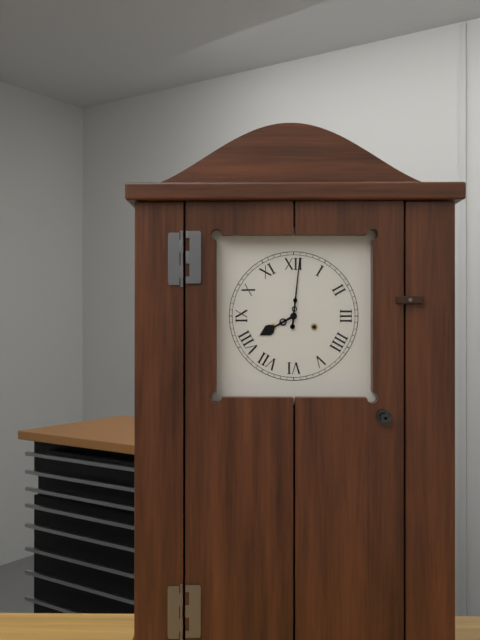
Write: 8:01
